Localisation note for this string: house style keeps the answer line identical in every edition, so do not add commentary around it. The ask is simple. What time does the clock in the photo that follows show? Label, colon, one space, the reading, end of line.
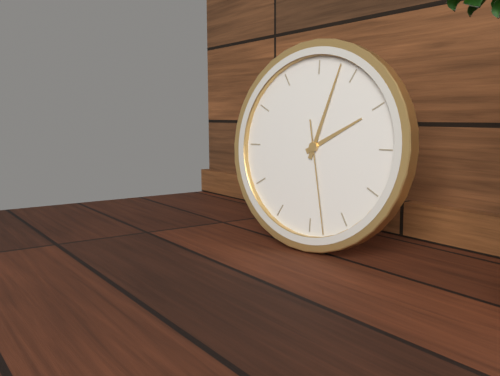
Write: 2:03:28
